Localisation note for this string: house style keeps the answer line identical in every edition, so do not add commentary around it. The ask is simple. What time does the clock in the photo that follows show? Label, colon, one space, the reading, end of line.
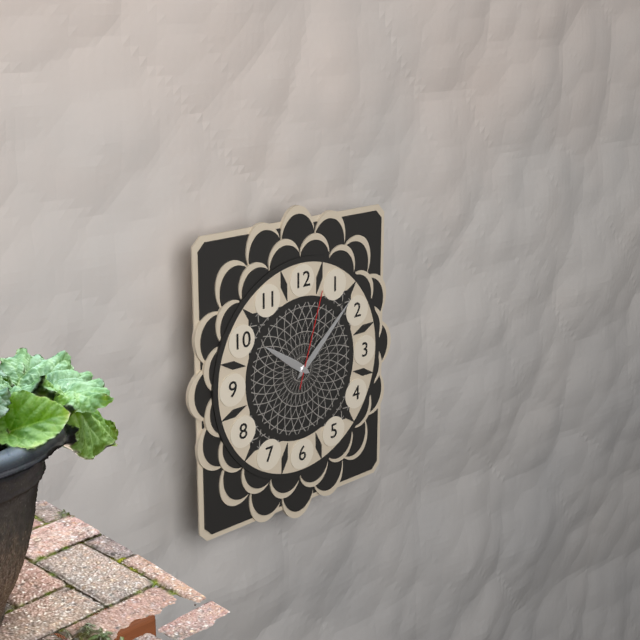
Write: 10:08:03
